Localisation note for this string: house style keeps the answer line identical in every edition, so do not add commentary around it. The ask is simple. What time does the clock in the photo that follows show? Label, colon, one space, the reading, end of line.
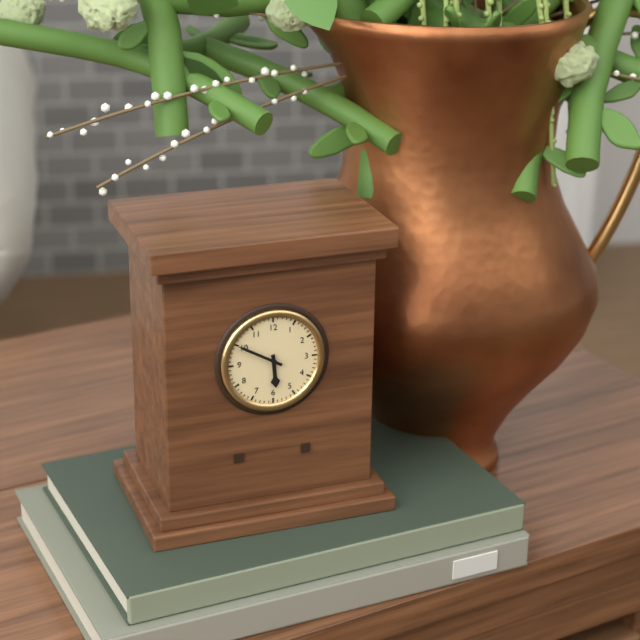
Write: 5:50
